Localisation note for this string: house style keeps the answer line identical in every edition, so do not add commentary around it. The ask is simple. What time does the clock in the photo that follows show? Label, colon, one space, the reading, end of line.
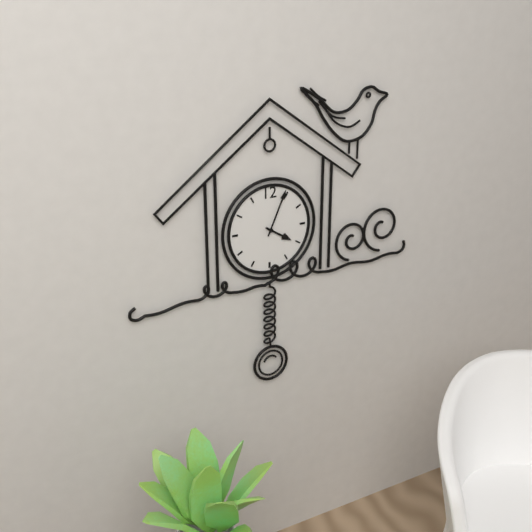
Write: 4:04
